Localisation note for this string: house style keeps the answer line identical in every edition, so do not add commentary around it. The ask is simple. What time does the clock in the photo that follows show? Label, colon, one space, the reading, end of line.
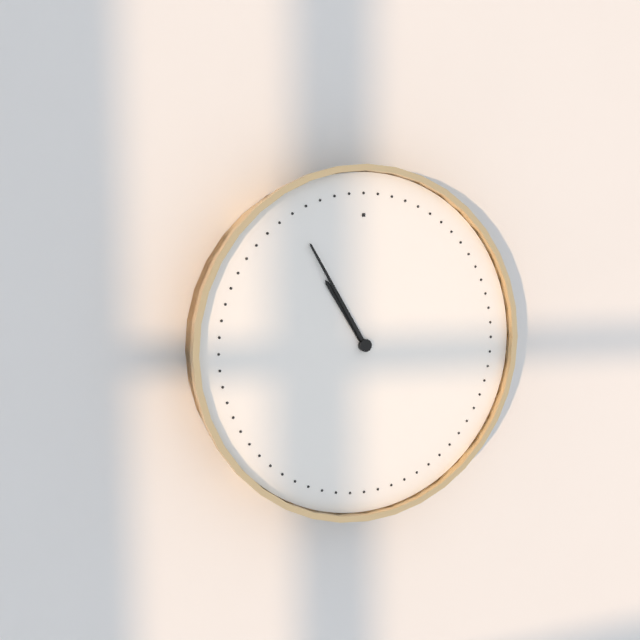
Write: 10:55
